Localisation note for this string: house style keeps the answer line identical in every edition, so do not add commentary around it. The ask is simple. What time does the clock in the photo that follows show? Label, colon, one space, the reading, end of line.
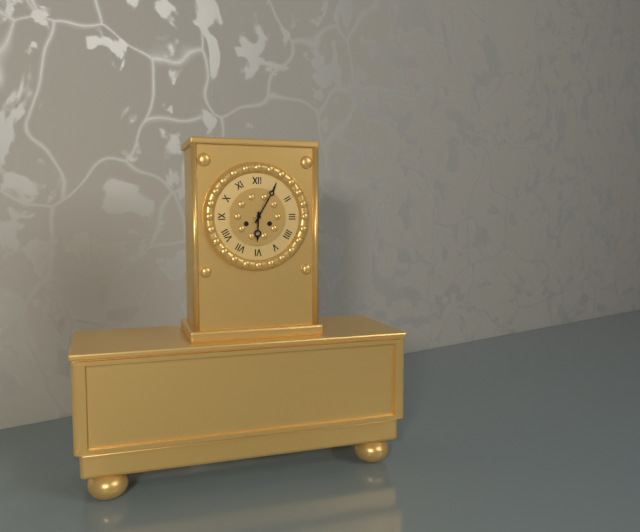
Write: 6:05
